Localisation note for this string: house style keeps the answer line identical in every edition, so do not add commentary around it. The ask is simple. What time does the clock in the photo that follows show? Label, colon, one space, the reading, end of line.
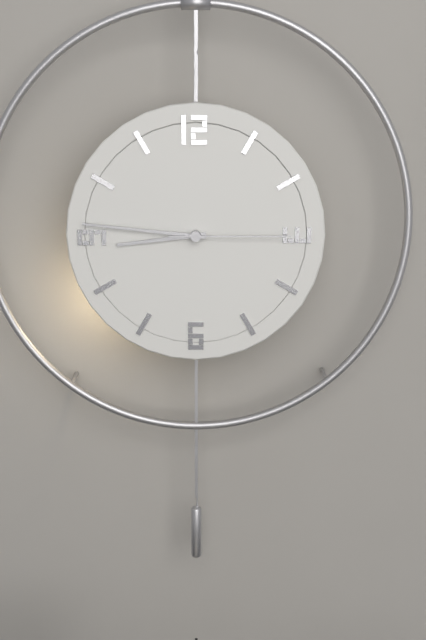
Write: 8:46:15
